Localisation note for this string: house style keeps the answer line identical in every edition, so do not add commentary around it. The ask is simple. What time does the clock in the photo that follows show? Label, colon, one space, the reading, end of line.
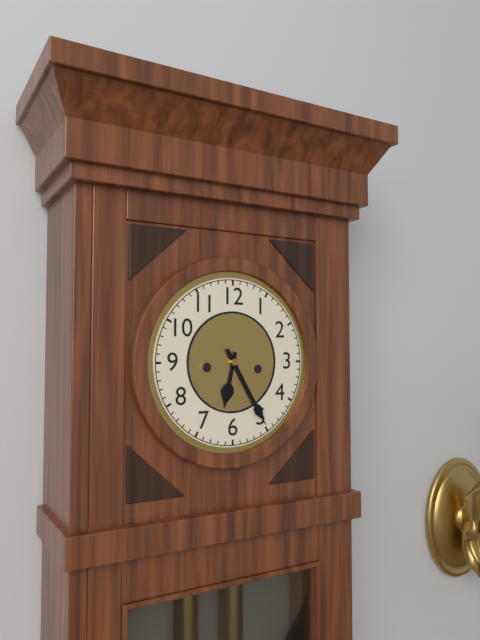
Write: 6:25
